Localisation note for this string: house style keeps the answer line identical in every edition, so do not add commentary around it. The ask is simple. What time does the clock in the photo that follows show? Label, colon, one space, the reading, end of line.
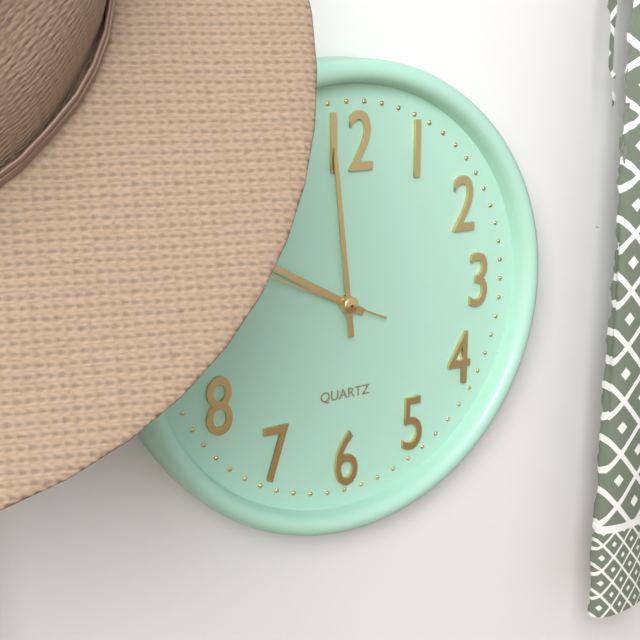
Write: 9:59
